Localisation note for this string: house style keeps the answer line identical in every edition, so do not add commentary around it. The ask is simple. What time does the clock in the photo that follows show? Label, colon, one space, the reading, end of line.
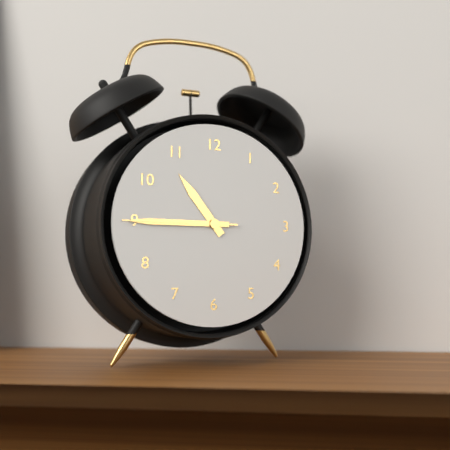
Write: 10:45:45
